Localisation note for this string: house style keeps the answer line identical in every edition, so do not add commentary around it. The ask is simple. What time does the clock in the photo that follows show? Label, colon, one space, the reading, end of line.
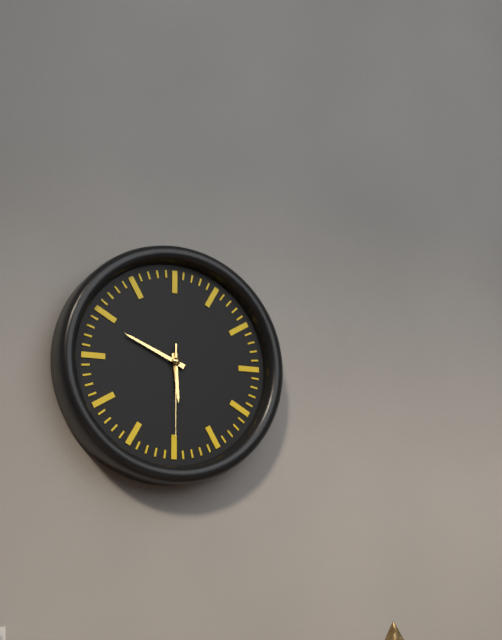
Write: 5:49:30
